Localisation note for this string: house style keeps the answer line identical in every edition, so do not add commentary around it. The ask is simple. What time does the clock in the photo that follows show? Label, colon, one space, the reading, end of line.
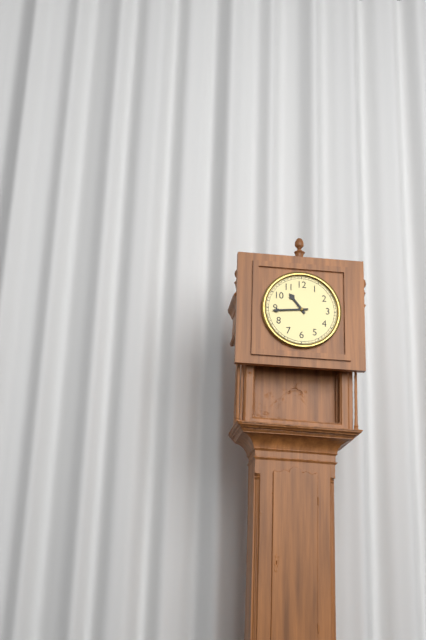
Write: 10:44
